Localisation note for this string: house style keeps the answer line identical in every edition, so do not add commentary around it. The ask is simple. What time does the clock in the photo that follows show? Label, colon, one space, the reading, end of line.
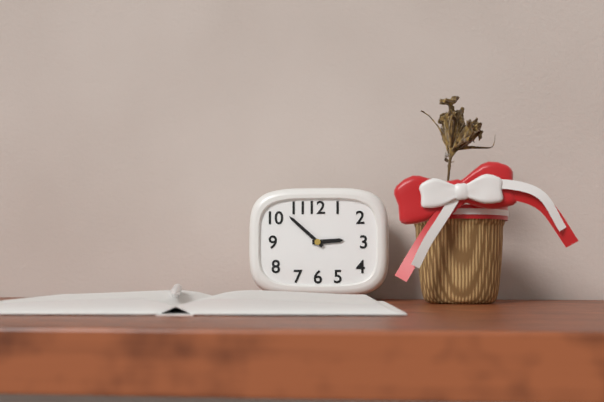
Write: 2:52
